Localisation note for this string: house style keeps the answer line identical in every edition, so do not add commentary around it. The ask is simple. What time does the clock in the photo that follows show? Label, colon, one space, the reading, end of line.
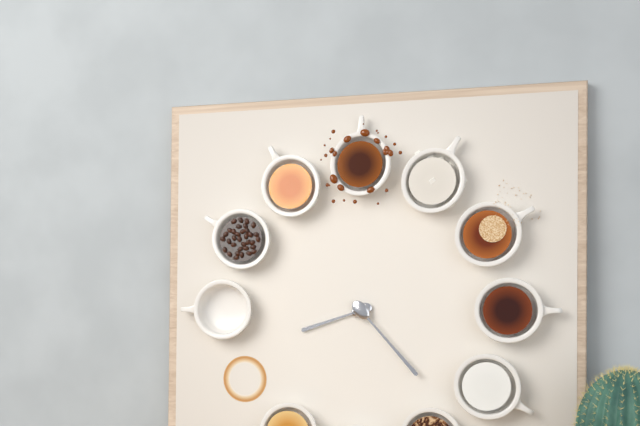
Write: 8:23
